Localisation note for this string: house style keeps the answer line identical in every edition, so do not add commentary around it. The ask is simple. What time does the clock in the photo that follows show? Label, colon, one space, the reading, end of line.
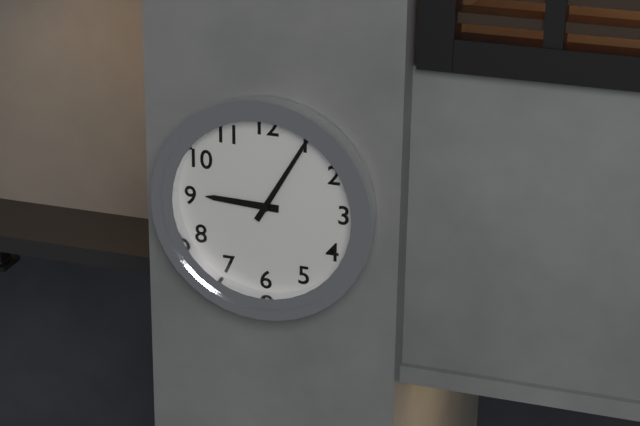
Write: 9:05
